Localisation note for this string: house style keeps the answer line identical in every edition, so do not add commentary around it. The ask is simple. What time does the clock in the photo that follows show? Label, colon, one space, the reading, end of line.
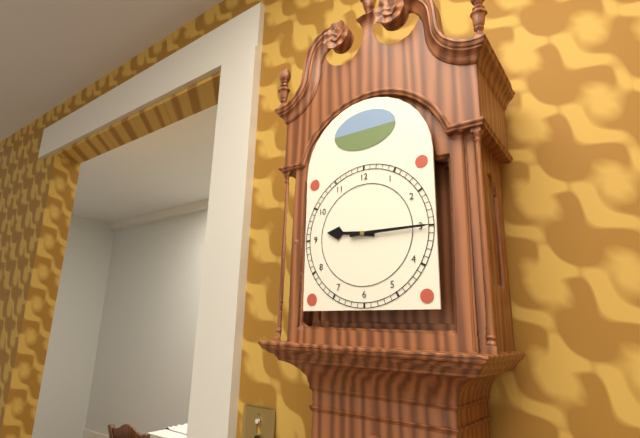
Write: 9:15
